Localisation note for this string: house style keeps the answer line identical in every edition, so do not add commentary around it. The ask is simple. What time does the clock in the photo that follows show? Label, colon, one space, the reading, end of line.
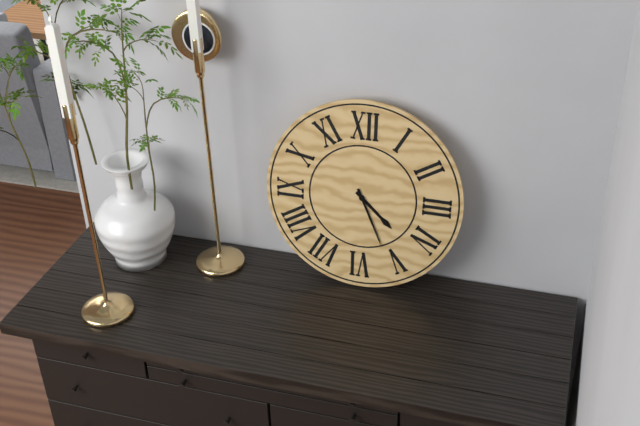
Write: 4:26
